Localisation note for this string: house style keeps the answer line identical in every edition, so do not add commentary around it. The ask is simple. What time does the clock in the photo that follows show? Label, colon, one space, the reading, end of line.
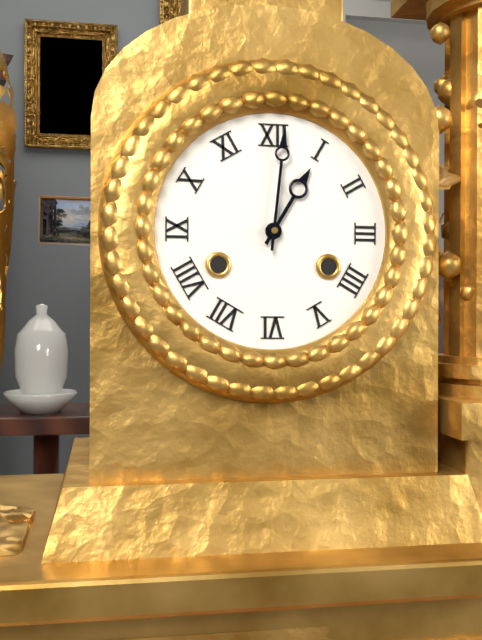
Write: 1:01
